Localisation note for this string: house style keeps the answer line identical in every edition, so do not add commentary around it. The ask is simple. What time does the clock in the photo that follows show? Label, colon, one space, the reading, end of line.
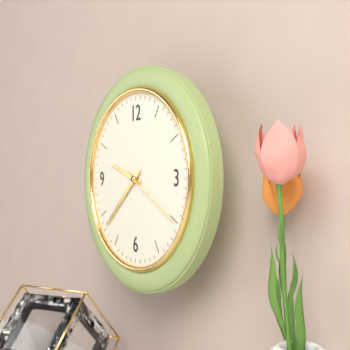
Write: 9:38:20
